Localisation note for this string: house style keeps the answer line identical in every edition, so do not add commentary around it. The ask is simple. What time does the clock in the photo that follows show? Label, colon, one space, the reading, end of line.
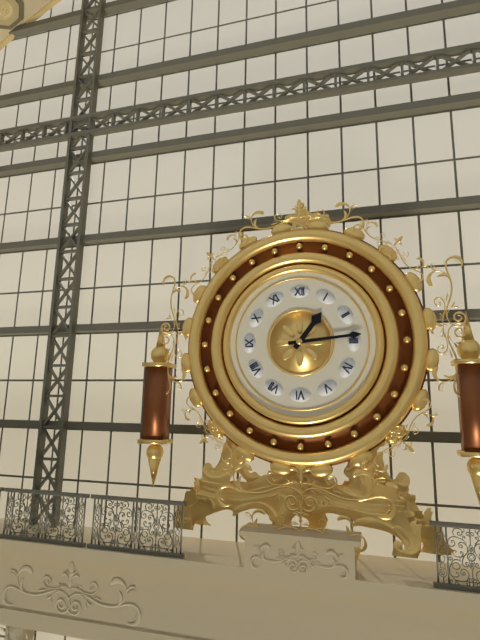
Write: 1:14
